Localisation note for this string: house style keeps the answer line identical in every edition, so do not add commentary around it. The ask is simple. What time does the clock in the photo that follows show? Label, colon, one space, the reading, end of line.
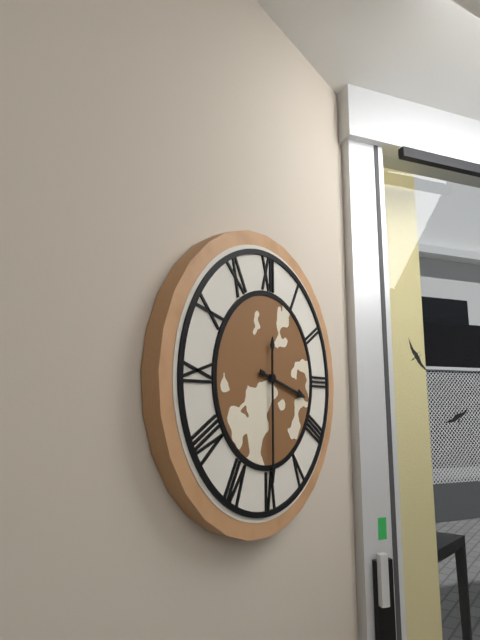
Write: 3:30
